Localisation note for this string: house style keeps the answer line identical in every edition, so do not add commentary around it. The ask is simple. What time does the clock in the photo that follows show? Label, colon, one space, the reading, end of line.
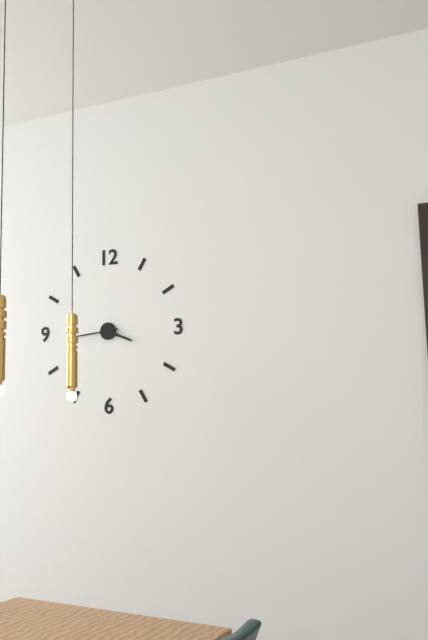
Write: 3:44
